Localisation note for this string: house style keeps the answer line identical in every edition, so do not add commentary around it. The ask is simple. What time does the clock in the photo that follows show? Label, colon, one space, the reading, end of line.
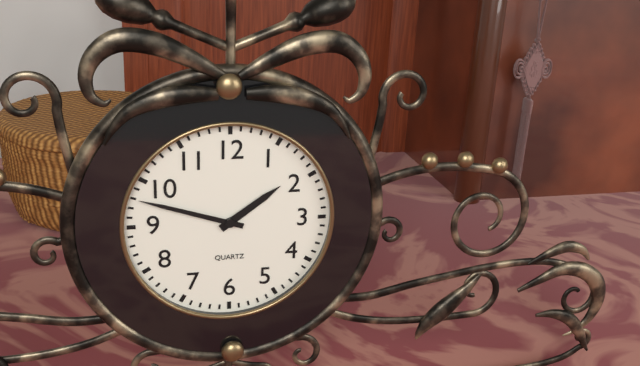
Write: 1:48
